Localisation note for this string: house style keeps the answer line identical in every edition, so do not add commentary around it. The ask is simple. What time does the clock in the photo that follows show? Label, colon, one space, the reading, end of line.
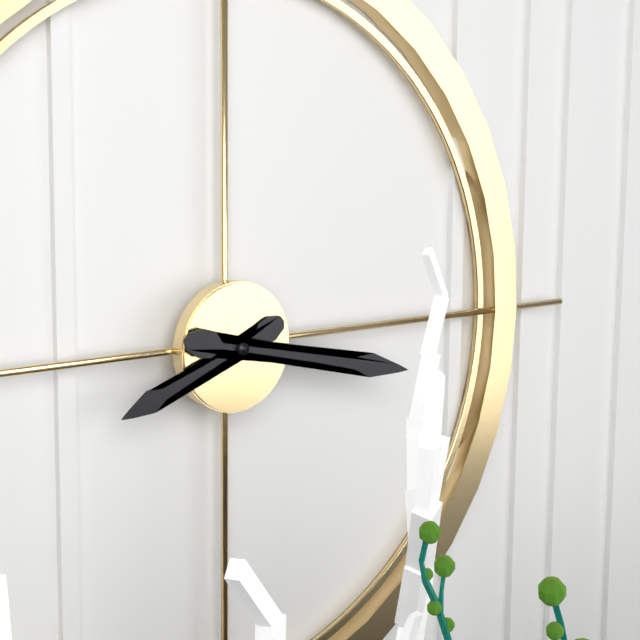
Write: 8:17
